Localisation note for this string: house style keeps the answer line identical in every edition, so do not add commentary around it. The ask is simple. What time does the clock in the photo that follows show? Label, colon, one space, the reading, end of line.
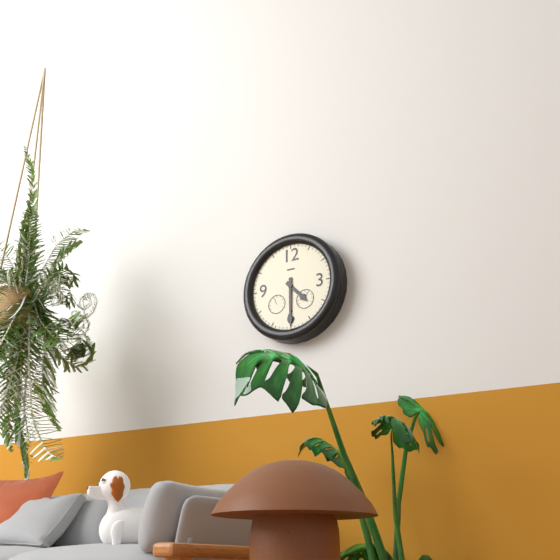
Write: 4:30
